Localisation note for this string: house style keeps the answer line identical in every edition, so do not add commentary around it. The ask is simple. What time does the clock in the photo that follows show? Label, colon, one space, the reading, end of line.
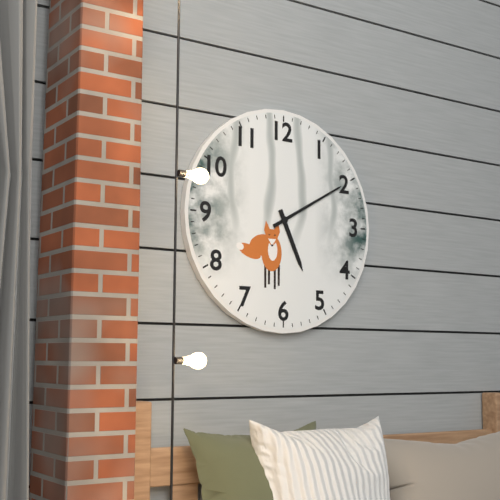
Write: 5:10
